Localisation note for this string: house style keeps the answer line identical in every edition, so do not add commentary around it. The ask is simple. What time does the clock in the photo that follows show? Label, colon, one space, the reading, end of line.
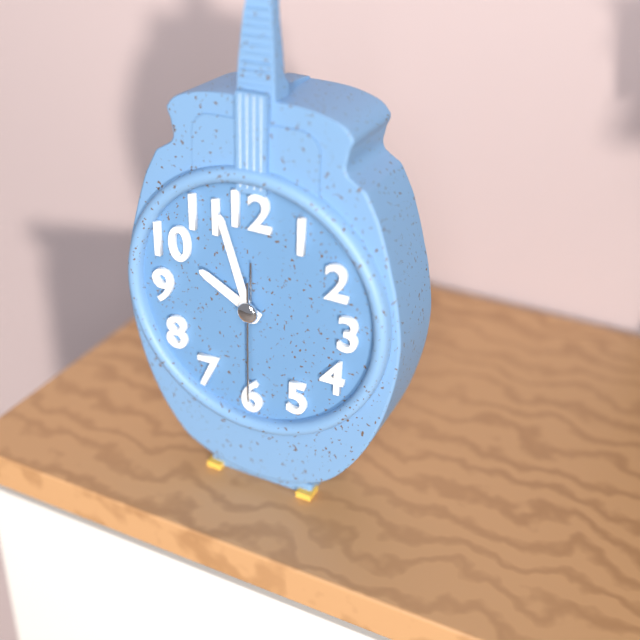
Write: 9:57:30
